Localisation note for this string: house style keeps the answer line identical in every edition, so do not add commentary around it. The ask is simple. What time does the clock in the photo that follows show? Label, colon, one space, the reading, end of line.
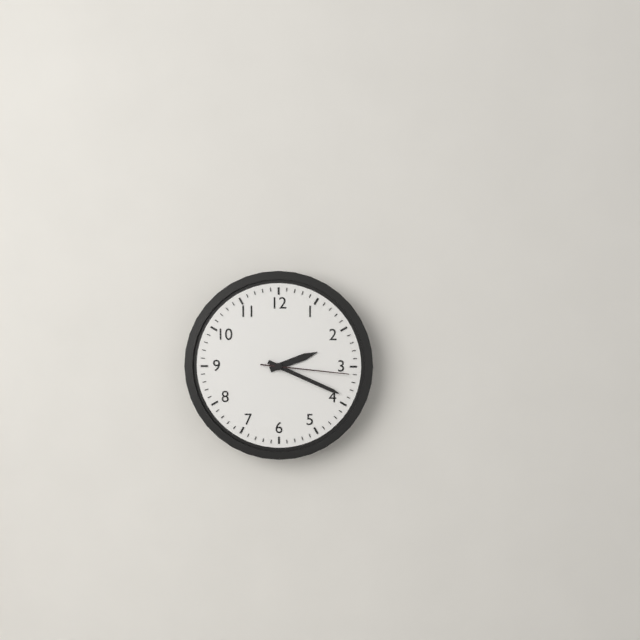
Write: 2:19:16
